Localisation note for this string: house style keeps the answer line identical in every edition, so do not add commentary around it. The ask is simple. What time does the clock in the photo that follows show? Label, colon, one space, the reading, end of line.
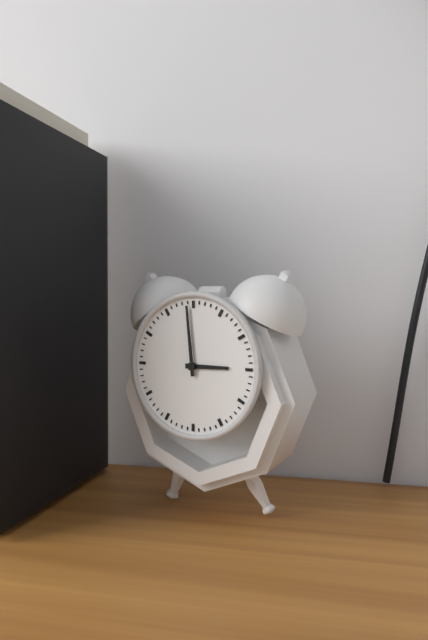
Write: 2:59
